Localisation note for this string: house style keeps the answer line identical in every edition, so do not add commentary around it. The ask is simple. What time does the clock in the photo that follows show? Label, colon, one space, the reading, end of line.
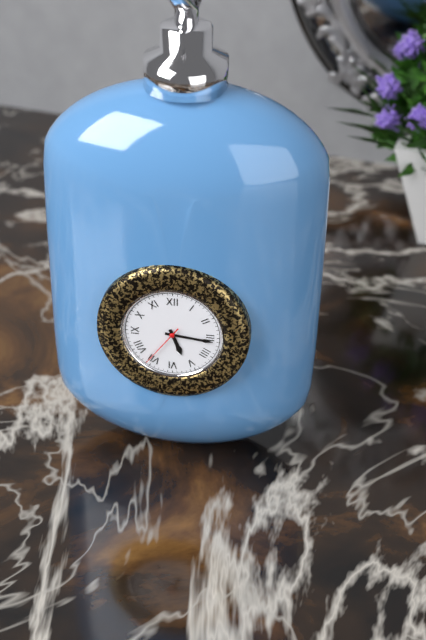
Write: 5:16
